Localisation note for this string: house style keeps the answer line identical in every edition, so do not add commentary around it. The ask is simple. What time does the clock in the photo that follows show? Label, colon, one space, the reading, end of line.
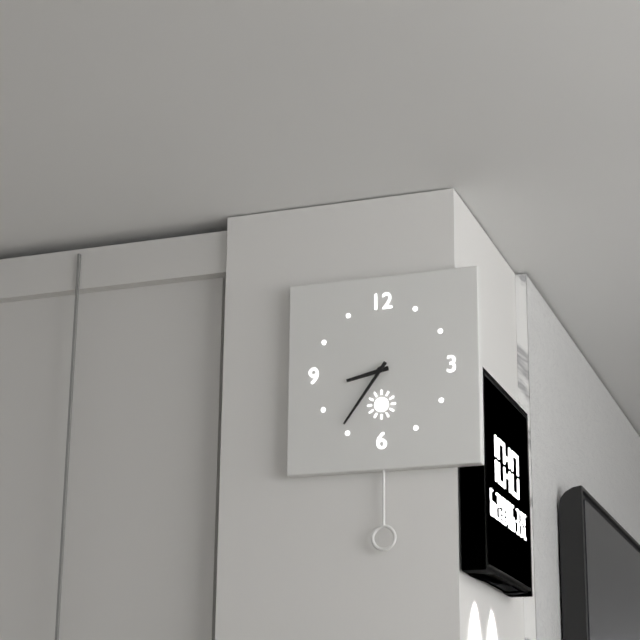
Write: 8:36
